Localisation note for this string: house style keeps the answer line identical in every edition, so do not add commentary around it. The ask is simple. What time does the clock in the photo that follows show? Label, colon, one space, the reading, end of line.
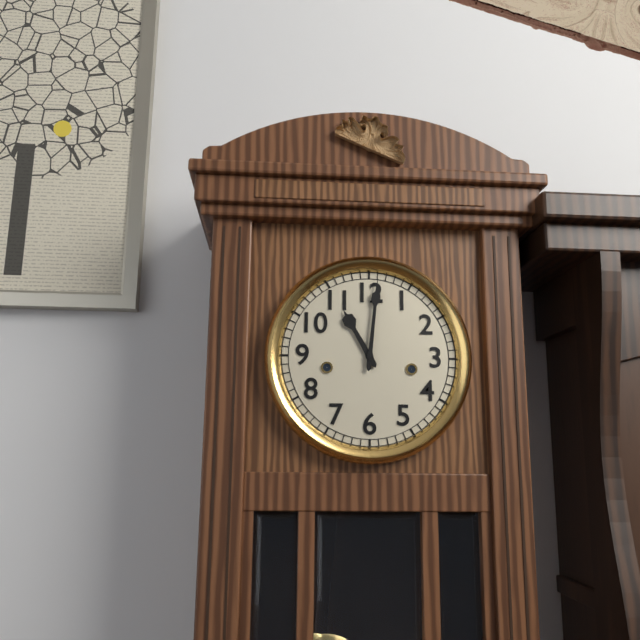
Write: 11:01
